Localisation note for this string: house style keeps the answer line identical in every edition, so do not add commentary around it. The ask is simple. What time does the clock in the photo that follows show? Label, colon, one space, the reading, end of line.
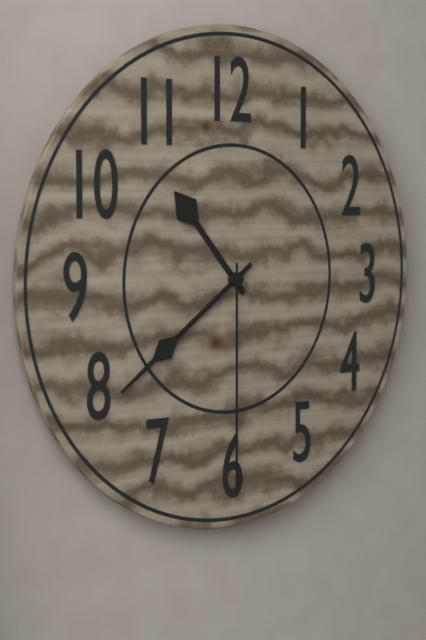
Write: 10:39:30
